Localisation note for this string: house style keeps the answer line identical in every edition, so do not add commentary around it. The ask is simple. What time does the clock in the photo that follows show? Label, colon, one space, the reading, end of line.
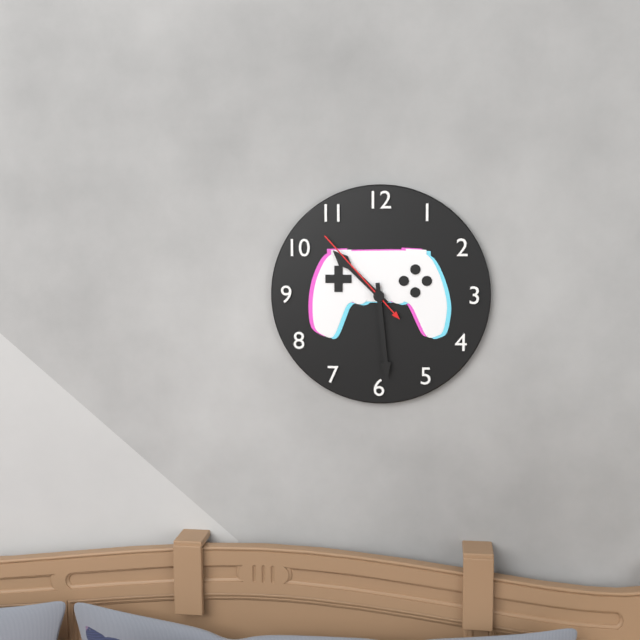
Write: 10:29:53
